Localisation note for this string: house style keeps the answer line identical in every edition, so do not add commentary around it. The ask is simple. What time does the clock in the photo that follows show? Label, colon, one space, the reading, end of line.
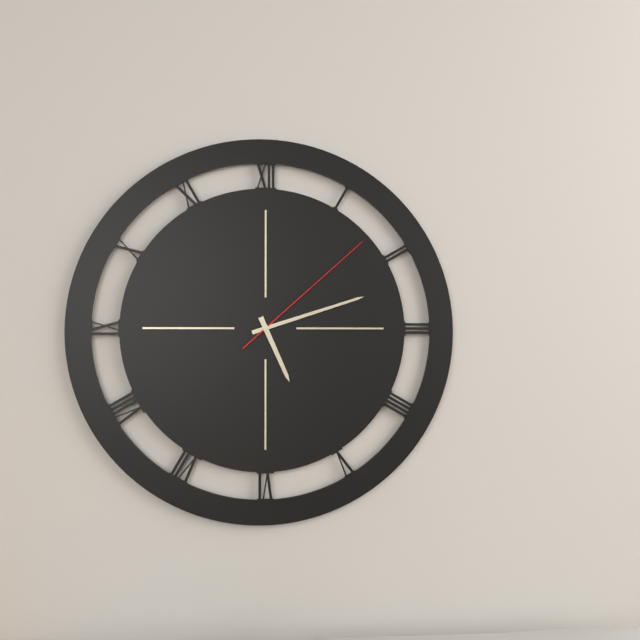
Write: 5:12:08
